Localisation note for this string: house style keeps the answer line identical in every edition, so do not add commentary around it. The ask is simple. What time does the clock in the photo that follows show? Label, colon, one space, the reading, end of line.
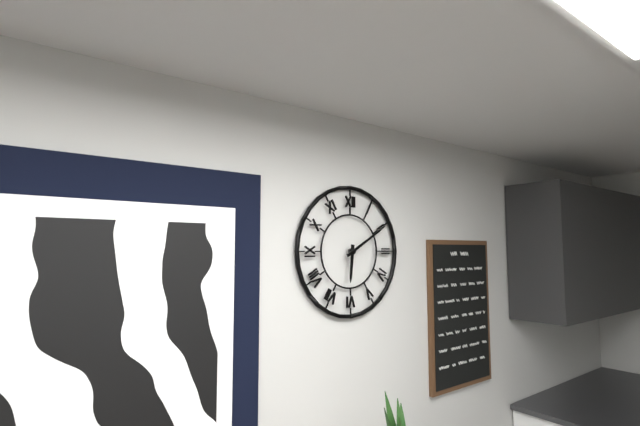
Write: 6:10
